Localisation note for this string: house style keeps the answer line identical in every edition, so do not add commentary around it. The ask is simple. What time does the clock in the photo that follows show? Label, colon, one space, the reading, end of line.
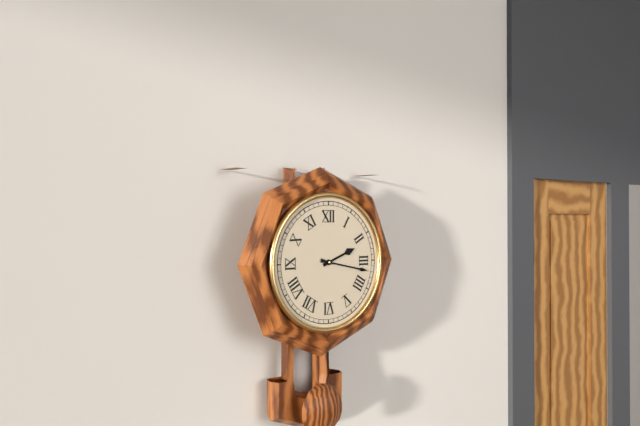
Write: 2:17
